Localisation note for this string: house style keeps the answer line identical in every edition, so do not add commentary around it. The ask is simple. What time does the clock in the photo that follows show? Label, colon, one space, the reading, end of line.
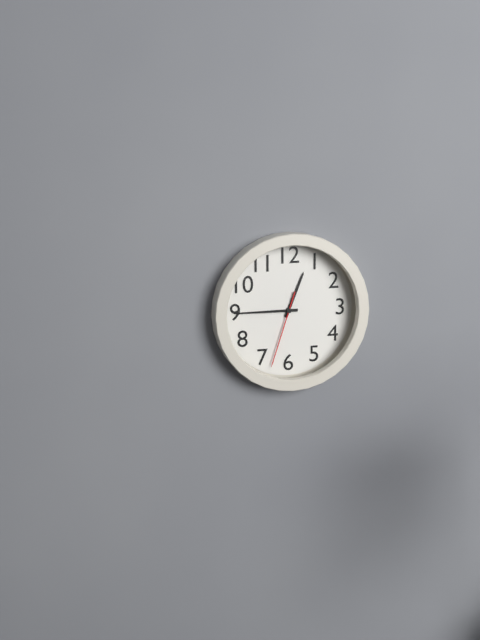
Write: 12:45:33
